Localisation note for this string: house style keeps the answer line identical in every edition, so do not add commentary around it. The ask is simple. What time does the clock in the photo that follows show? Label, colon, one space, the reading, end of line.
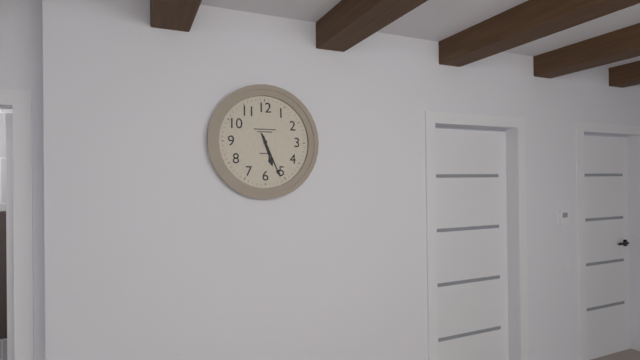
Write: 5:26
